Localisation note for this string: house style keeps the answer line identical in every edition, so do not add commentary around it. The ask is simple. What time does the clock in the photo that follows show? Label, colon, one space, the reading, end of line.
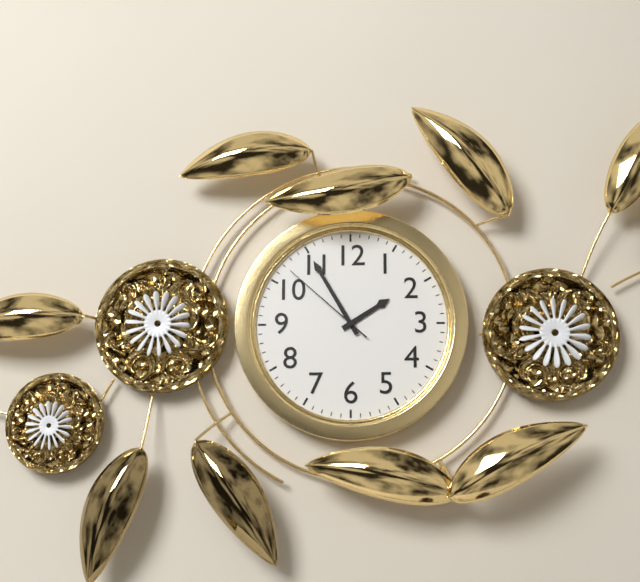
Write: 1:55:52
